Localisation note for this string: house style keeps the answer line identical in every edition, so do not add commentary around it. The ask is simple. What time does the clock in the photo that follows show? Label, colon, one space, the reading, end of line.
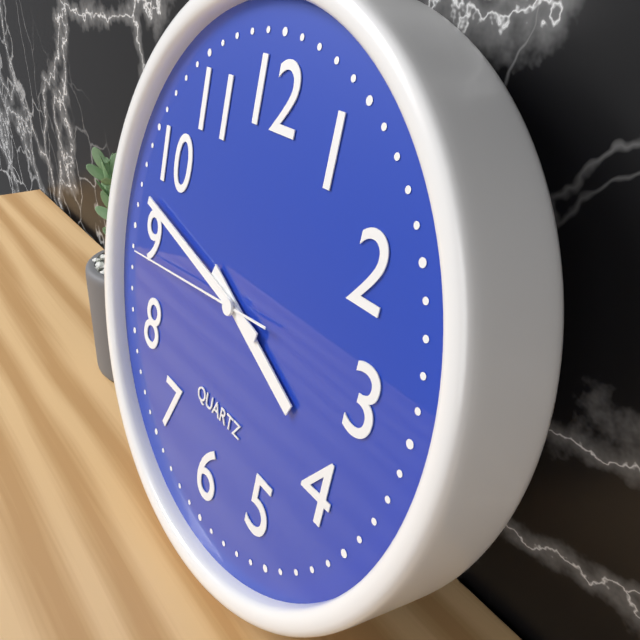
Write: 3:47:44
